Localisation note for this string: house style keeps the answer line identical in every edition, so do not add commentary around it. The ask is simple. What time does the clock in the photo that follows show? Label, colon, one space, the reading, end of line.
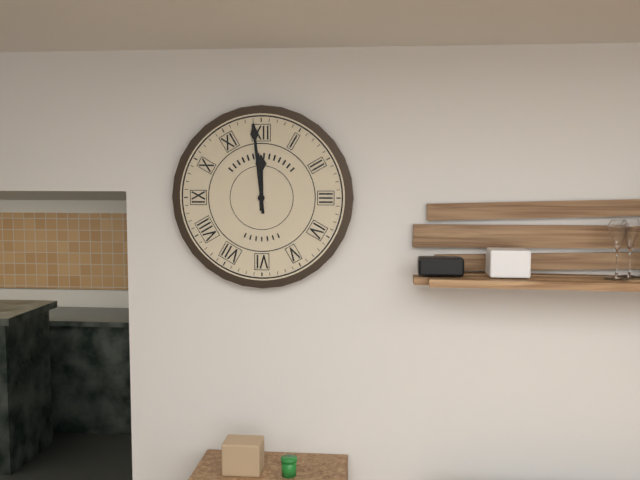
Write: 11:59
